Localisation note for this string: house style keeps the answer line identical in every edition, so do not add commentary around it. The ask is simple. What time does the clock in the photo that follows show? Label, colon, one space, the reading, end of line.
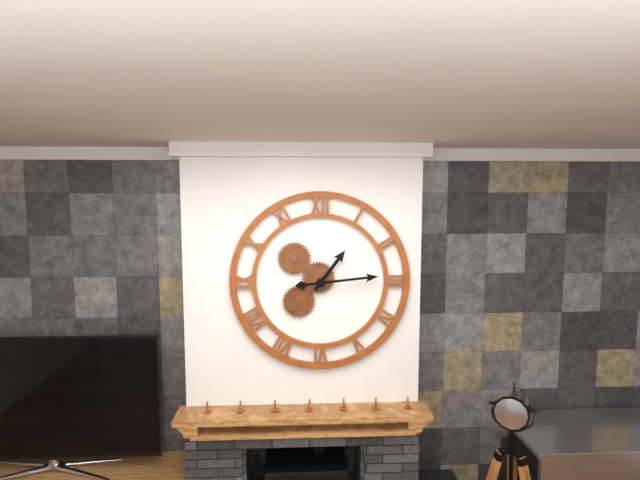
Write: 1:14
